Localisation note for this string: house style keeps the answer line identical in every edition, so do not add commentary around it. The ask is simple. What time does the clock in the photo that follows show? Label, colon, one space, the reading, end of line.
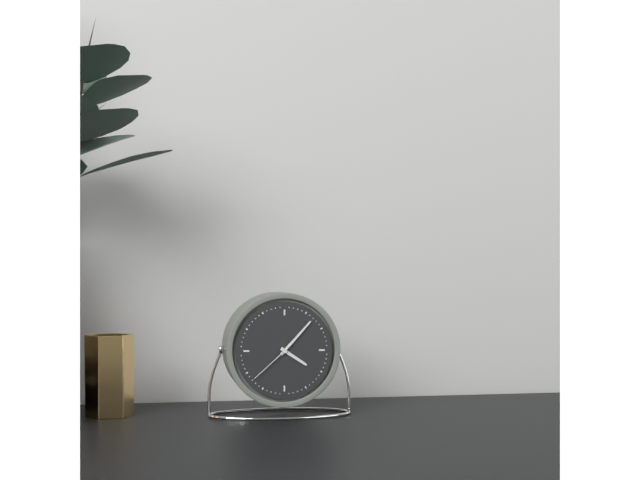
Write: 4:07:38
